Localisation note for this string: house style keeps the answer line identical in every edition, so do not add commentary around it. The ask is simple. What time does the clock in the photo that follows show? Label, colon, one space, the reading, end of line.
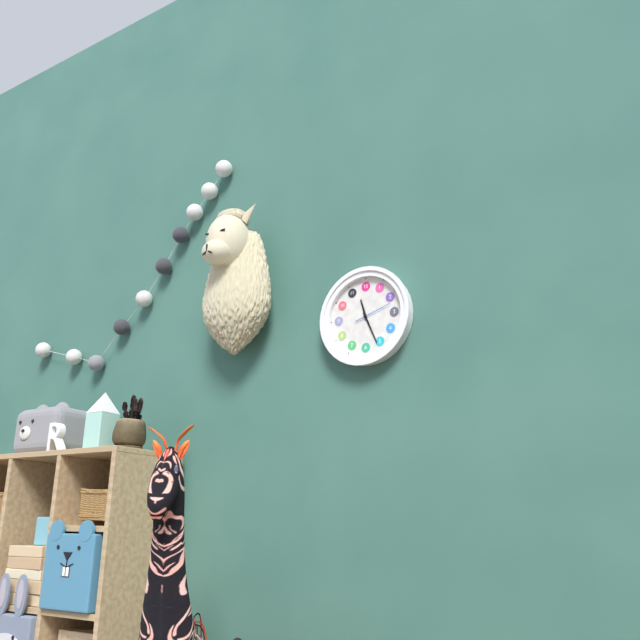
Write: 11:26
